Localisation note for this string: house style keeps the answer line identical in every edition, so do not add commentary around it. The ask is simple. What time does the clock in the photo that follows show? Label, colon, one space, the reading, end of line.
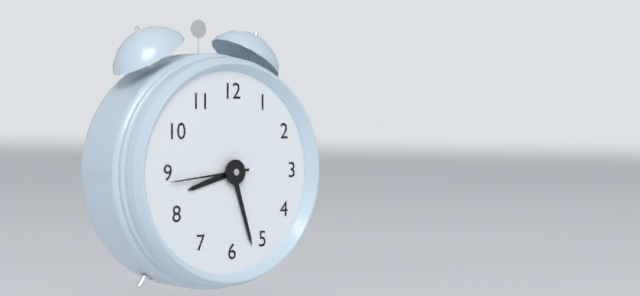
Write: 8:27:44
